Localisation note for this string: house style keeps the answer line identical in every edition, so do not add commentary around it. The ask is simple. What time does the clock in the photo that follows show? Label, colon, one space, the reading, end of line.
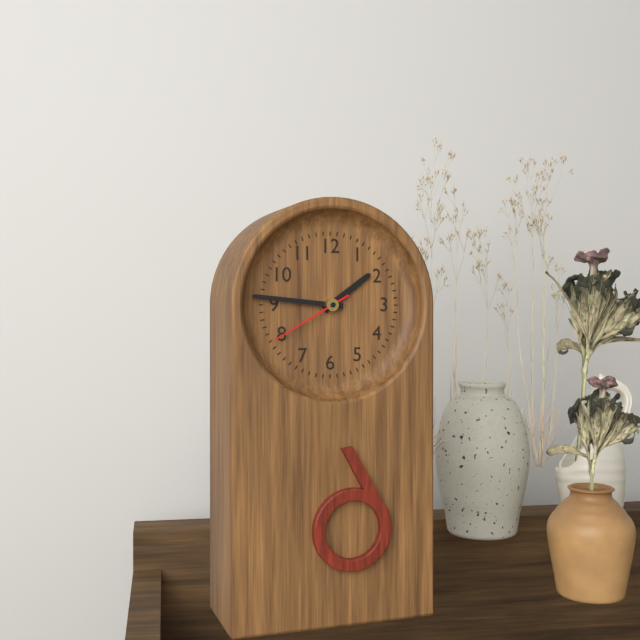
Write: 1:46:40
